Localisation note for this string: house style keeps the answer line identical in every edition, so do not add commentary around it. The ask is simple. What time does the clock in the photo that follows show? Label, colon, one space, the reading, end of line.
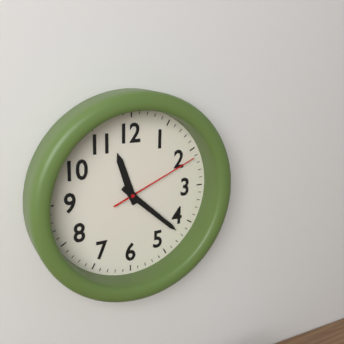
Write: 11:22:11
